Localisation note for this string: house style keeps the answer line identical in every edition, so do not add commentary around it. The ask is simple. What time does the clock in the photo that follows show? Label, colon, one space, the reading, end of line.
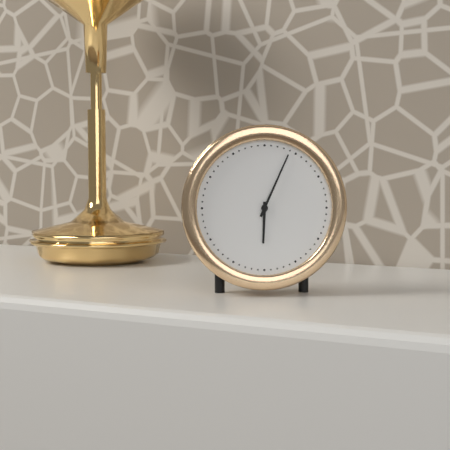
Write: 6:04
